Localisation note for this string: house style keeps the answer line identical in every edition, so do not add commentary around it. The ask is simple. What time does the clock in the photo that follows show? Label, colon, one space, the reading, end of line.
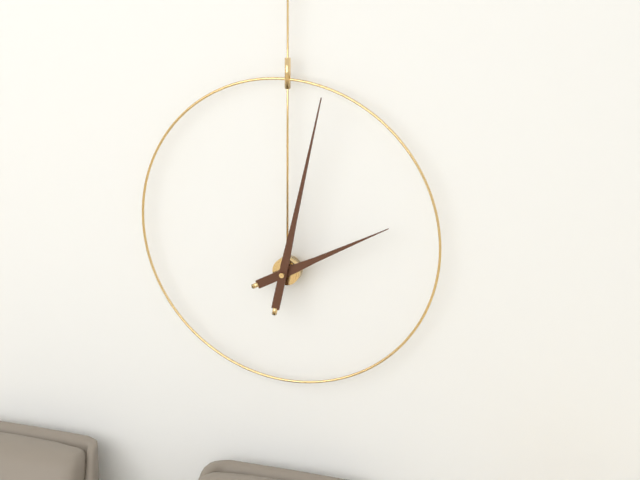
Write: 2:02
